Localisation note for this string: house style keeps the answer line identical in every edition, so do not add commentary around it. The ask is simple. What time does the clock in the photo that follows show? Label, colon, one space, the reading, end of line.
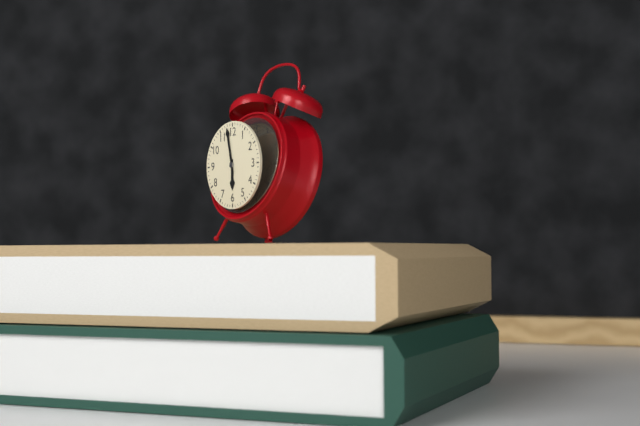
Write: 5:58
